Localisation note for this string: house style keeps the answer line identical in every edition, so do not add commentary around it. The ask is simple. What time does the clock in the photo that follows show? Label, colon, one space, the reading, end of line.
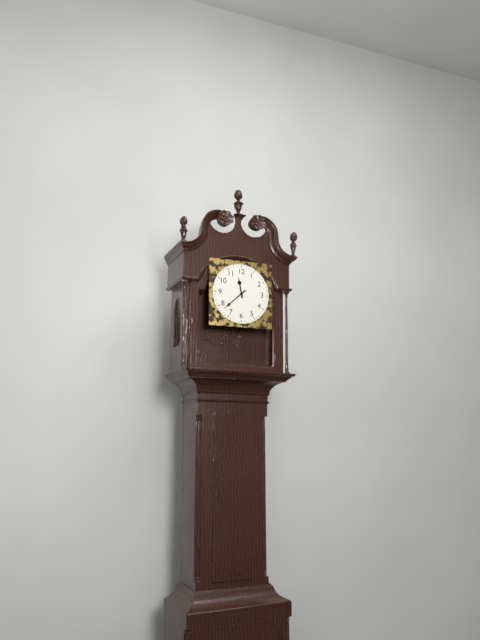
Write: 11:38
